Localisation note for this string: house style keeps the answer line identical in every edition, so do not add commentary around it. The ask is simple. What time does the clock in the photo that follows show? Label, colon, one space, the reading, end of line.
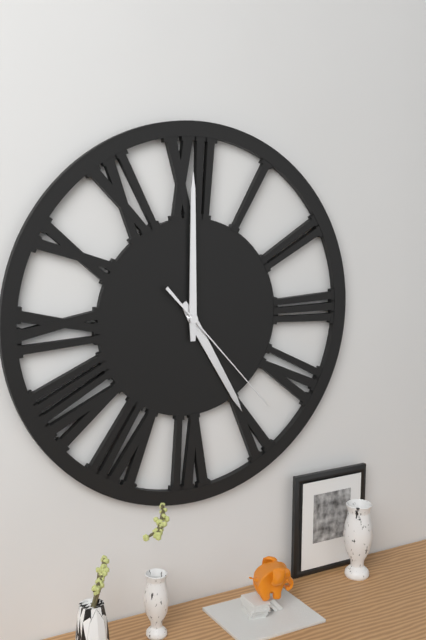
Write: 5:00:23
